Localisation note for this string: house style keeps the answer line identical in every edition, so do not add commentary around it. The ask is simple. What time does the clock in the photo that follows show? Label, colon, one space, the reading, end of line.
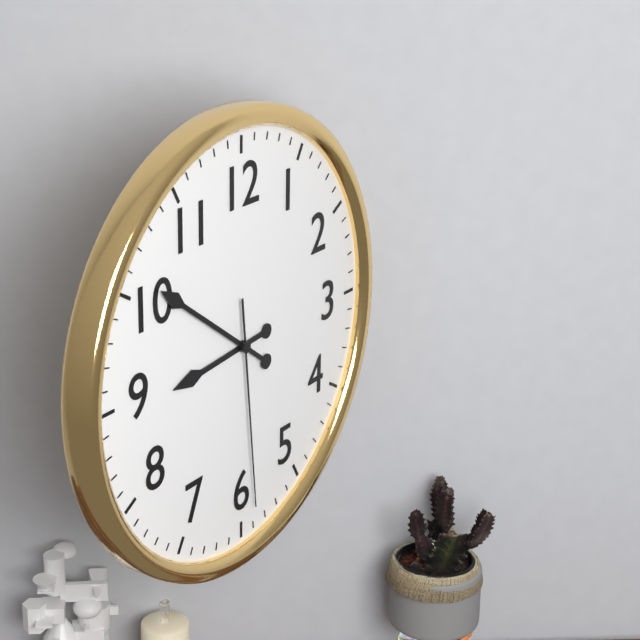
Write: 8:51:29
